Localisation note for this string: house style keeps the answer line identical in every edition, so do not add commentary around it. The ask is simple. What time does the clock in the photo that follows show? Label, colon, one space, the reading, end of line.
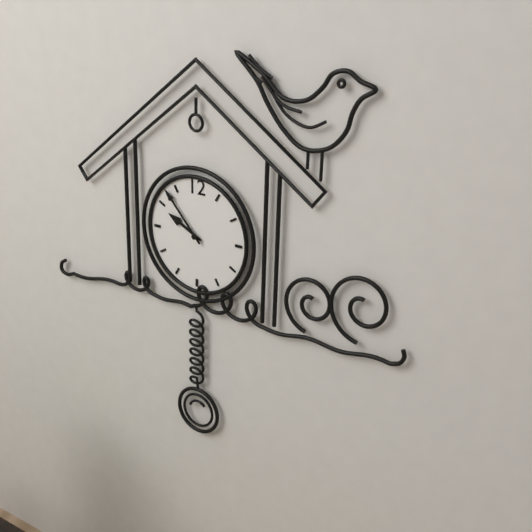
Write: 9:53
